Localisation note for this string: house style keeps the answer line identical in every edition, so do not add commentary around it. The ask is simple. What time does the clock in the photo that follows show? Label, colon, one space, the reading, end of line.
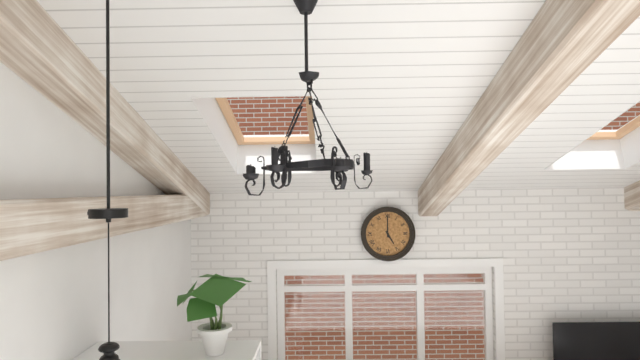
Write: 5:00
